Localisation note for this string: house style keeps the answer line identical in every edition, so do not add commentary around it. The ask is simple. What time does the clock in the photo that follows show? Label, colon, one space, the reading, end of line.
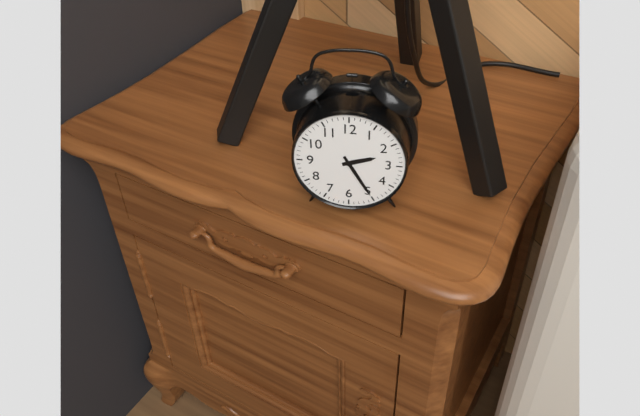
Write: 2:25
